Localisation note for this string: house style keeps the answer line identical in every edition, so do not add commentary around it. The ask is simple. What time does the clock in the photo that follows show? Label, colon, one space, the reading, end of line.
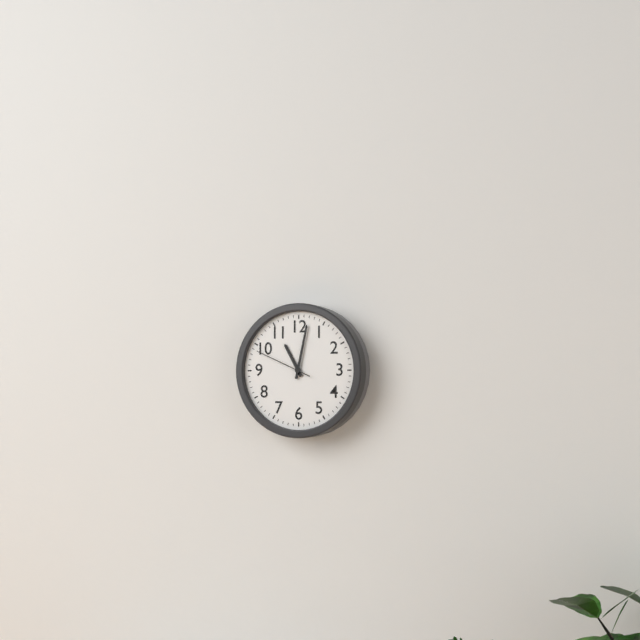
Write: 11:02:49
